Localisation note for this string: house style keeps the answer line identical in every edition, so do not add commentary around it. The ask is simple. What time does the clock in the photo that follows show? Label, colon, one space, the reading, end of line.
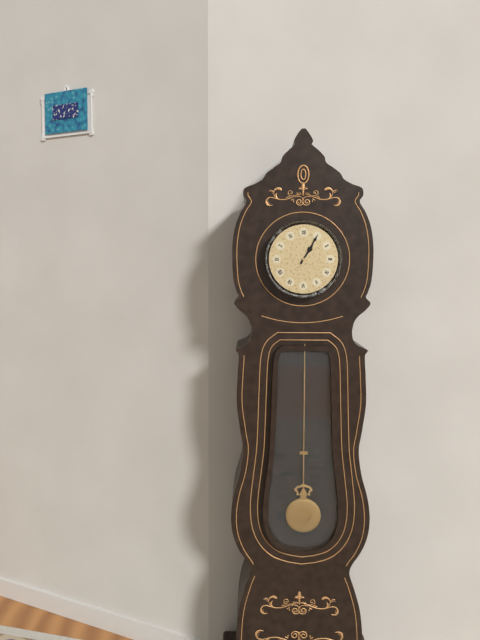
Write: 1:05
